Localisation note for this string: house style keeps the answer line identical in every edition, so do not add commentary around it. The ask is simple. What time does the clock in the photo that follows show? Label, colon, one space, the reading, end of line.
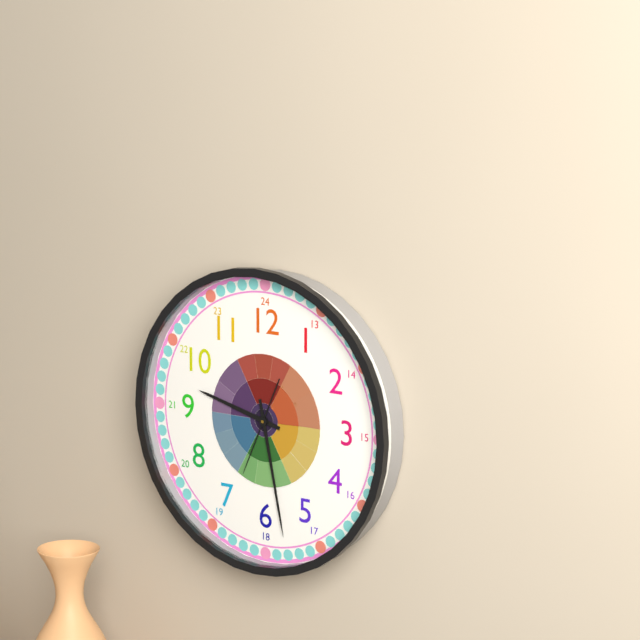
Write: 9:28:34
